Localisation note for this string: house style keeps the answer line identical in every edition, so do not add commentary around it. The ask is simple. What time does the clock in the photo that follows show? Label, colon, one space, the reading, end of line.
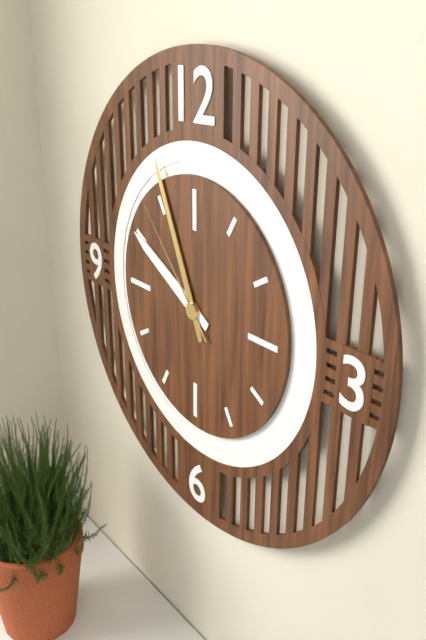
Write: 9:56:53
